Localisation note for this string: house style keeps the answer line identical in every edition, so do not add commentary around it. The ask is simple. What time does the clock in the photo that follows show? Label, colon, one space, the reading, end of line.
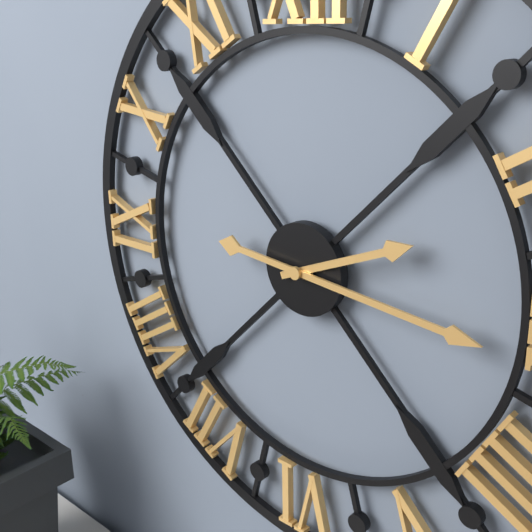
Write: 2:16
